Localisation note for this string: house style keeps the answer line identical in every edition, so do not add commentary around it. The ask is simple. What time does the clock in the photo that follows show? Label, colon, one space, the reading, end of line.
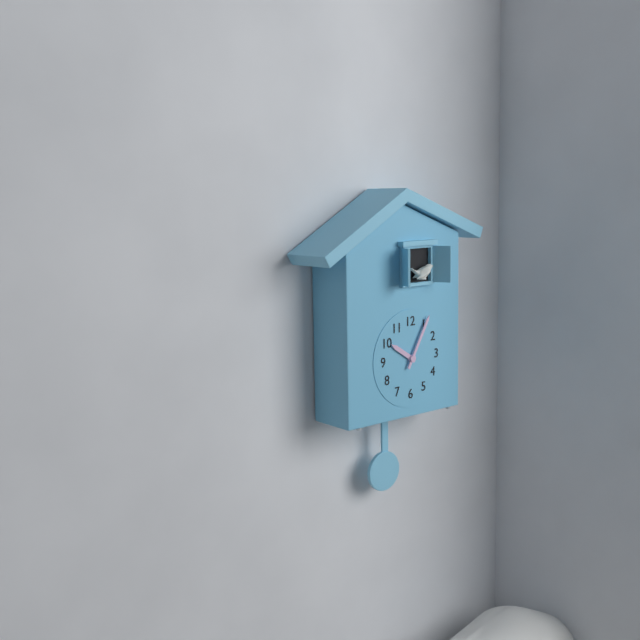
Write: 10:05
